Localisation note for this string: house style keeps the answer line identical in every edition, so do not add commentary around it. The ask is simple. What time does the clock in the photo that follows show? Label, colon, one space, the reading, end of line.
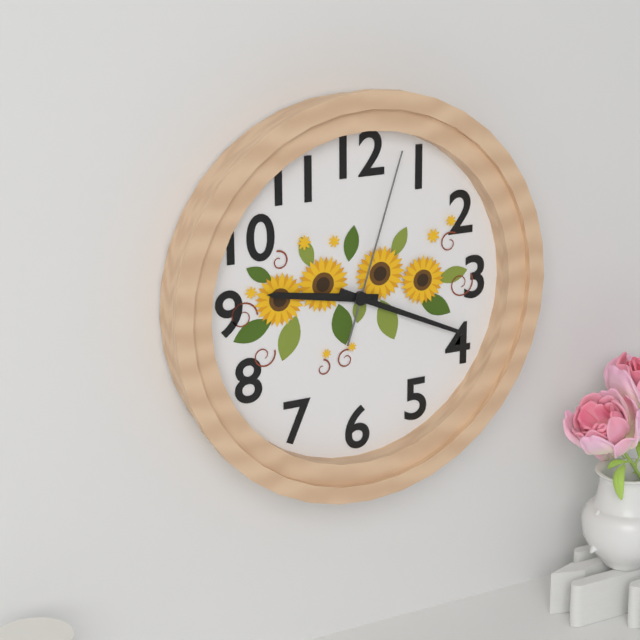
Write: 9:19:03
